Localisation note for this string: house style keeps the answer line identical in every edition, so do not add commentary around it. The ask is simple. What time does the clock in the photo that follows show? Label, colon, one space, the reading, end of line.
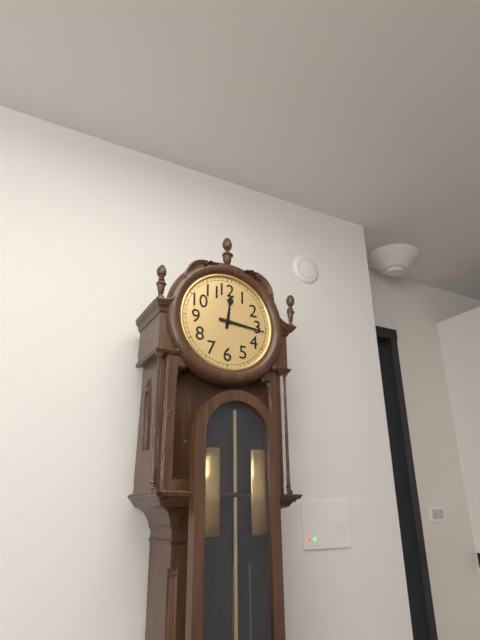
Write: 12:16
